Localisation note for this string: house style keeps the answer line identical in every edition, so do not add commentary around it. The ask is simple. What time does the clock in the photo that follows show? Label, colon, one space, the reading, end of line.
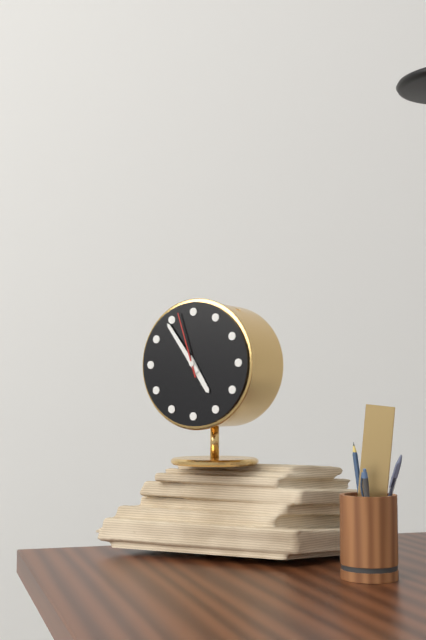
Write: 4:54:57
